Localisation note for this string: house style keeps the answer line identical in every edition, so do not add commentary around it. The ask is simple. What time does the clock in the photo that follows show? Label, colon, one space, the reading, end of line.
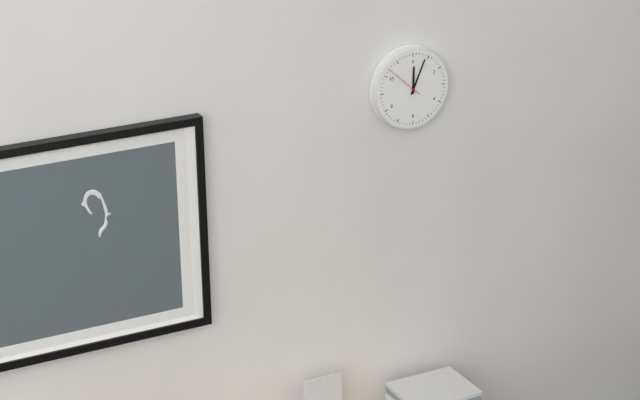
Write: 12:04
